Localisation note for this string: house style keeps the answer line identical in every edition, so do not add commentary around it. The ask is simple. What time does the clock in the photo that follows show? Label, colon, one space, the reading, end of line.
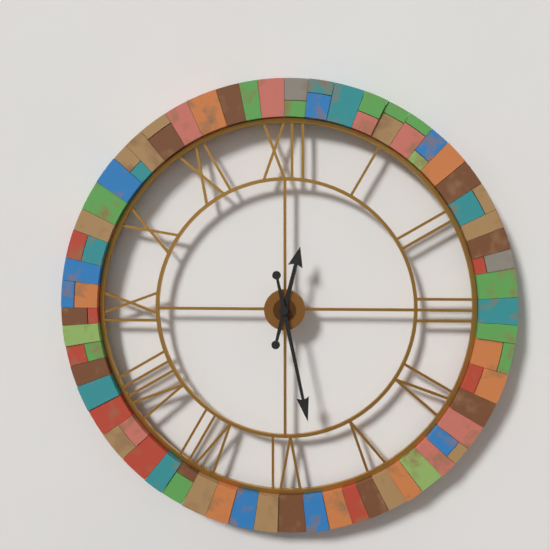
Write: 12:28
